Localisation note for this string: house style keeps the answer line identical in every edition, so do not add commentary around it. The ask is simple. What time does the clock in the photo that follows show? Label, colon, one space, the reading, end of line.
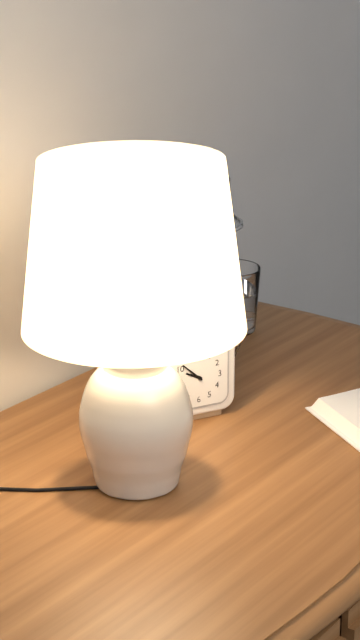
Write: 9:52
